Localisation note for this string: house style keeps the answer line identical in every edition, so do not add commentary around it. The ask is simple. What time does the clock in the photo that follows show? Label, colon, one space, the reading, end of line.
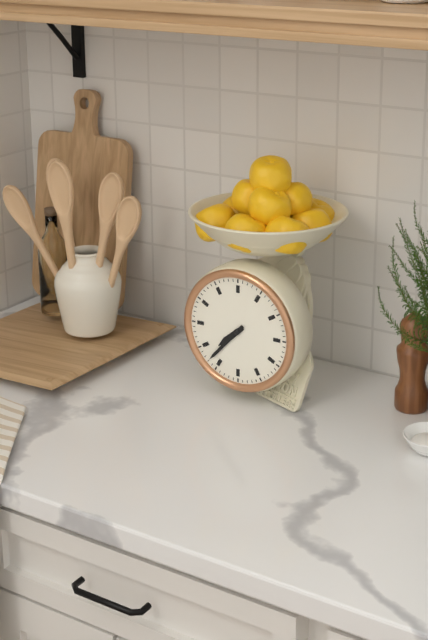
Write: 7:37
